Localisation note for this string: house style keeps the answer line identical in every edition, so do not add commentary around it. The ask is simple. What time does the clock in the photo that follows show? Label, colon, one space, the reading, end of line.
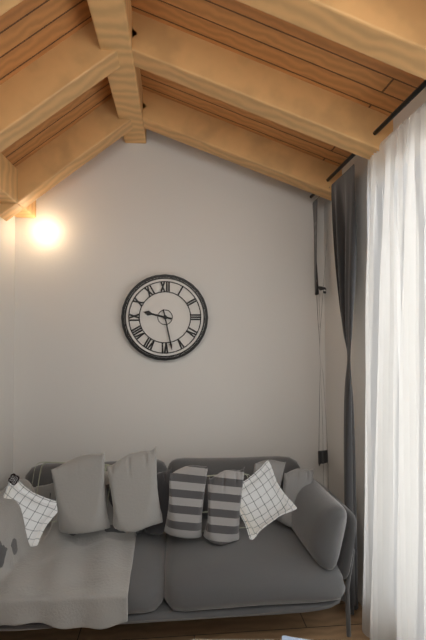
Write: 9:28
